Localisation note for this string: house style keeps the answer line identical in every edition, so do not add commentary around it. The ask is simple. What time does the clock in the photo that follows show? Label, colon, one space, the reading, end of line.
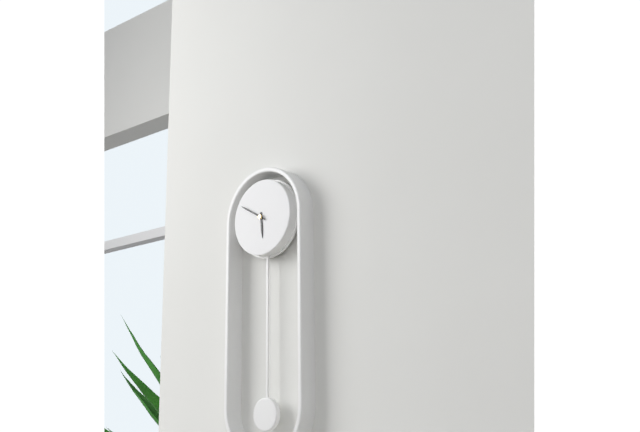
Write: 5:50
